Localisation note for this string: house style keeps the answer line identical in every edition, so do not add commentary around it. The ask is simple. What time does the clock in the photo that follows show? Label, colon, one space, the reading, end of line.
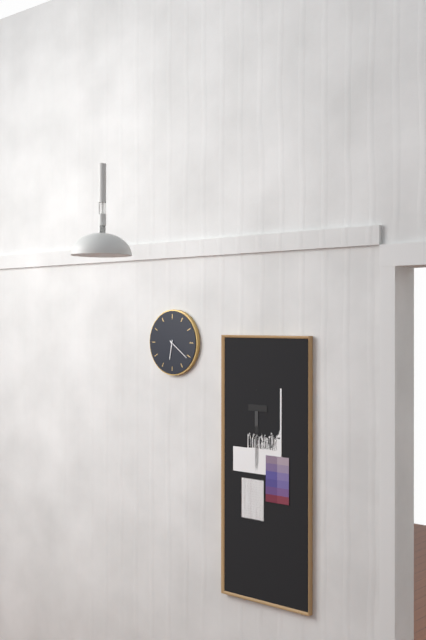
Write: 6:21
